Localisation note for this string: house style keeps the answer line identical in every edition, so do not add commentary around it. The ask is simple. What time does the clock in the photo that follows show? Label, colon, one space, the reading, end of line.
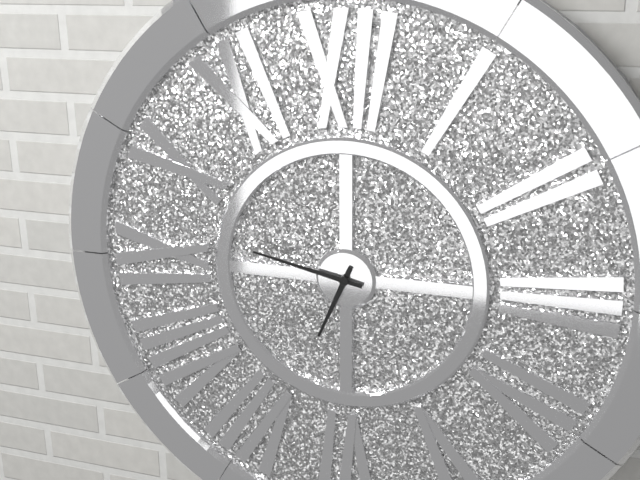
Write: 6:47
